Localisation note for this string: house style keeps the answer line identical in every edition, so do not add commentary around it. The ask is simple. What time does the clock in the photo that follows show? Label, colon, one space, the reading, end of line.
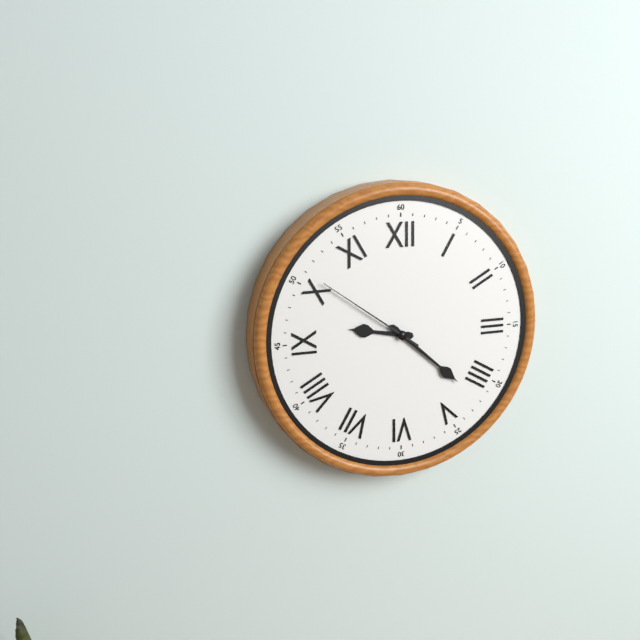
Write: 9:22:51
